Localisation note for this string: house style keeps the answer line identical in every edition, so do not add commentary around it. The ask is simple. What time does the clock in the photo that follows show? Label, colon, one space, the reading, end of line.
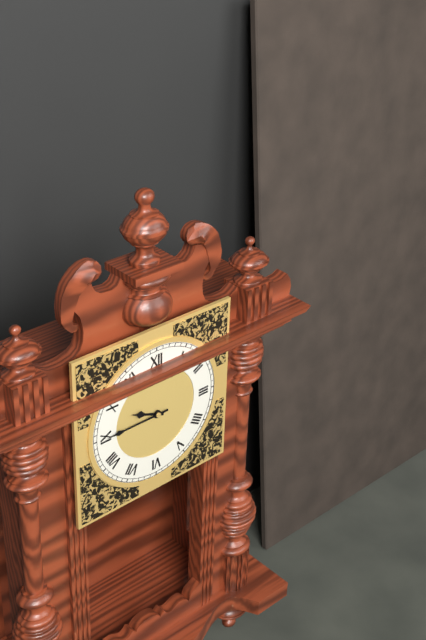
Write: 9:45
